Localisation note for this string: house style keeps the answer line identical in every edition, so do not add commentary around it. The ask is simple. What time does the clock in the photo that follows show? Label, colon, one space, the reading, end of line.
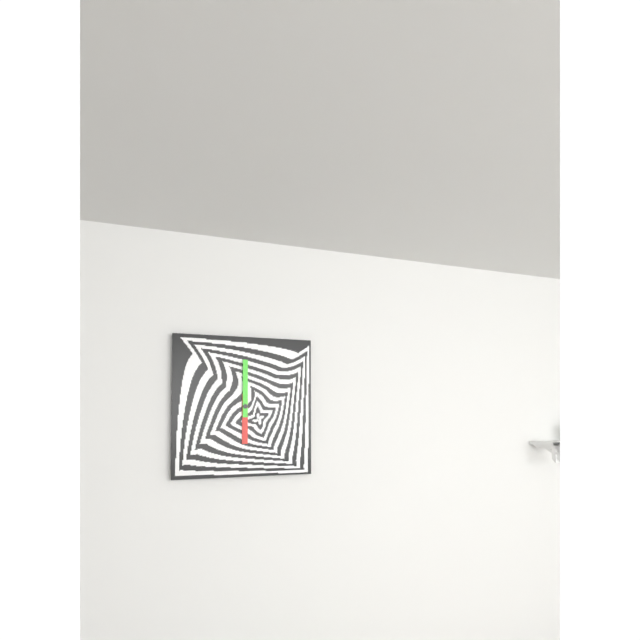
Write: 6:00
